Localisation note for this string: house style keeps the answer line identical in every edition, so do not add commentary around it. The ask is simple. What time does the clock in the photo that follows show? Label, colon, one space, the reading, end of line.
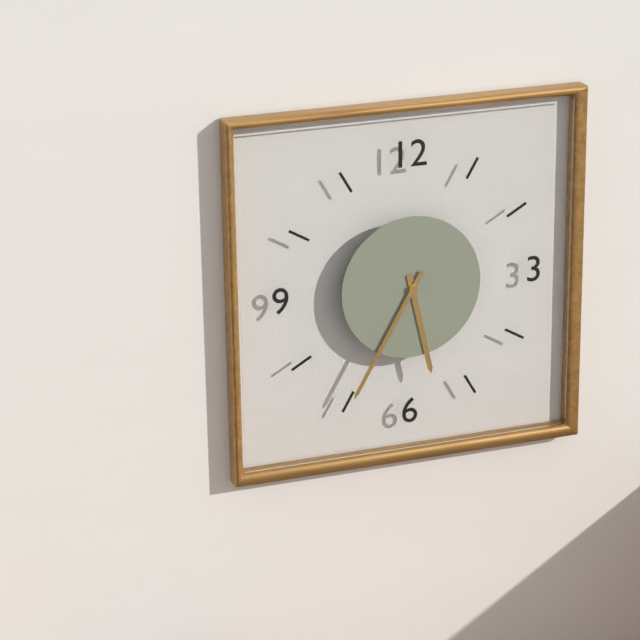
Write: 5:35
